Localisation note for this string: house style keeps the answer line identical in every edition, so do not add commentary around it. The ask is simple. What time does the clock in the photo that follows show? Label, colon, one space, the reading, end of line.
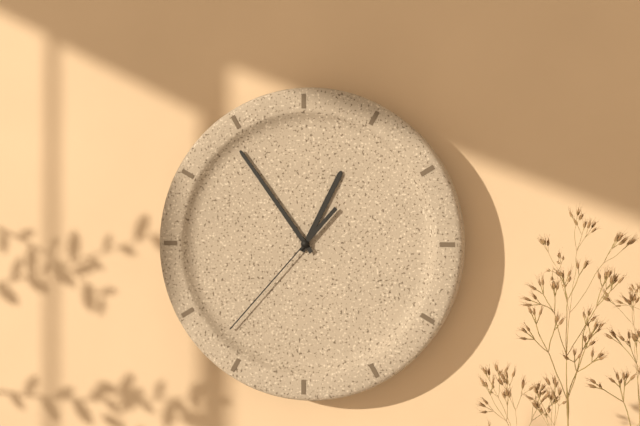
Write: 12:54:37
